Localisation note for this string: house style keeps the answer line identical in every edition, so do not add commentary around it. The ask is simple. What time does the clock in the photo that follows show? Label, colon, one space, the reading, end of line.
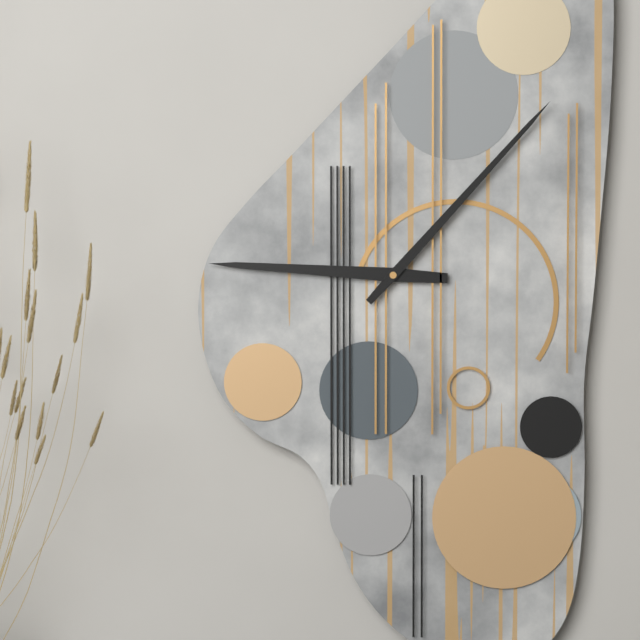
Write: 9:07
